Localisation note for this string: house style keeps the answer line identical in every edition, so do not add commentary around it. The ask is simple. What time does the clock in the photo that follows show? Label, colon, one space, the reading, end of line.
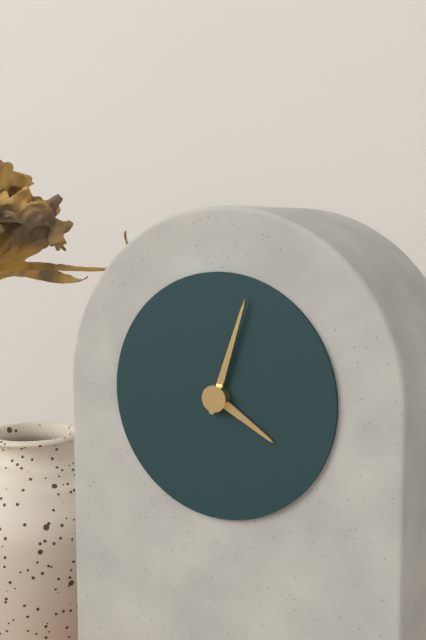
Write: 4:03
